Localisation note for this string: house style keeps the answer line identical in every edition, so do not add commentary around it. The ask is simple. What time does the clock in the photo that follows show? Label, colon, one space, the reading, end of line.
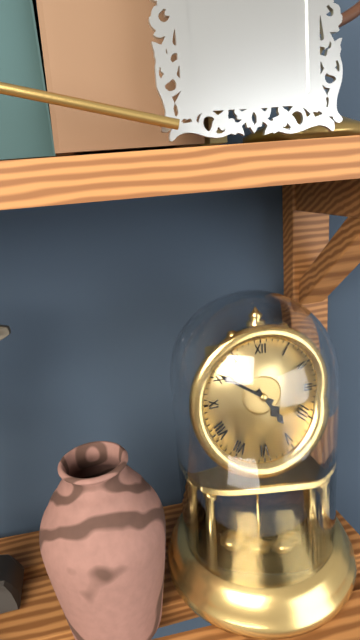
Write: 4:51
